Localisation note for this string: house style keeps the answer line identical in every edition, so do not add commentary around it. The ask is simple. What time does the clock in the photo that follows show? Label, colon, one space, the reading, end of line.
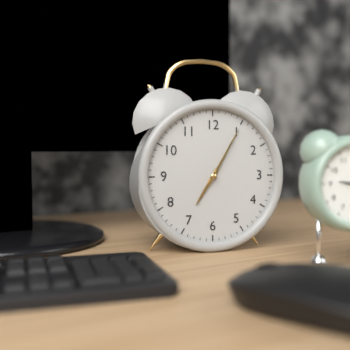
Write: 7:05
